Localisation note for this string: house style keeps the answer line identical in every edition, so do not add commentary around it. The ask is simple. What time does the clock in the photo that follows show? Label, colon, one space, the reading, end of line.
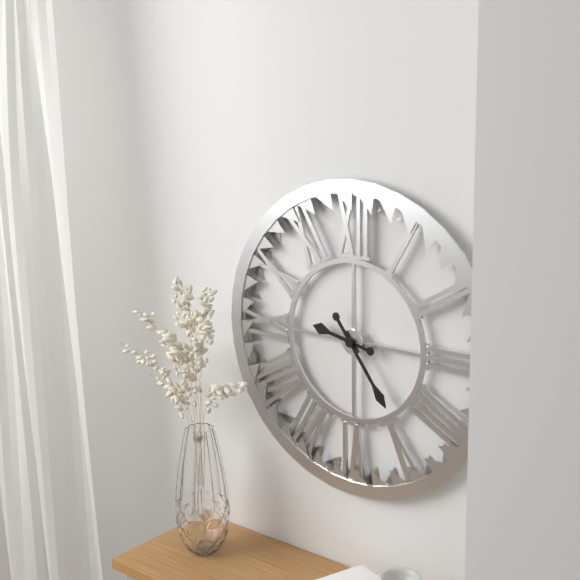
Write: 9:24
